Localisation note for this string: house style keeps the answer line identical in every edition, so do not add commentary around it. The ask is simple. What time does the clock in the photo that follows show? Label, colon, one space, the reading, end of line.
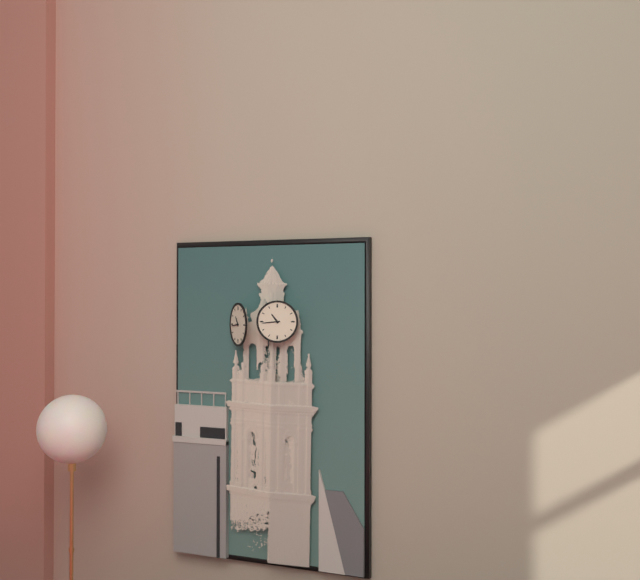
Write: 10:44
